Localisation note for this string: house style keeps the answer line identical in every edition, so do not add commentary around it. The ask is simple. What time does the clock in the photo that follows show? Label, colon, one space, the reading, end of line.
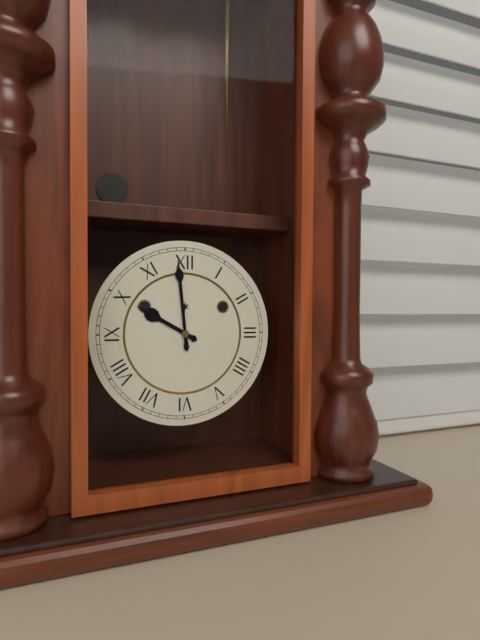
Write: 9:59
